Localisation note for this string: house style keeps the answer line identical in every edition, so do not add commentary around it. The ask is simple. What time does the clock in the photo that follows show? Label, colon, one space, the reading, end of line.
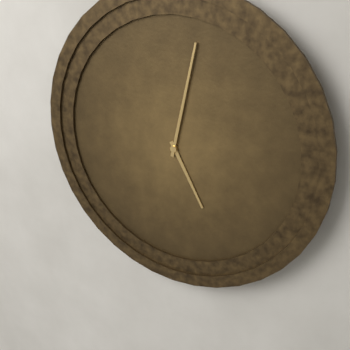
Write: 5:02
